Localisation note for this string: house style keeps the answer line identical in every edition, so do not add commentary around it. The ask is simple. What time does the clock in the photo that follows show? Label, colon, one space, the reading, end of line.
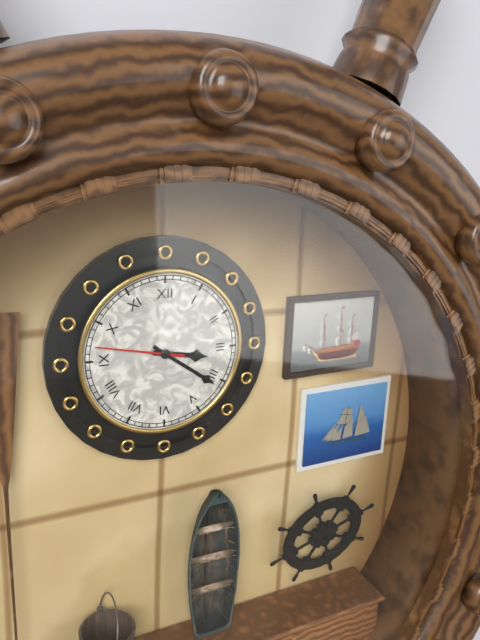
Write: 3:21:47
